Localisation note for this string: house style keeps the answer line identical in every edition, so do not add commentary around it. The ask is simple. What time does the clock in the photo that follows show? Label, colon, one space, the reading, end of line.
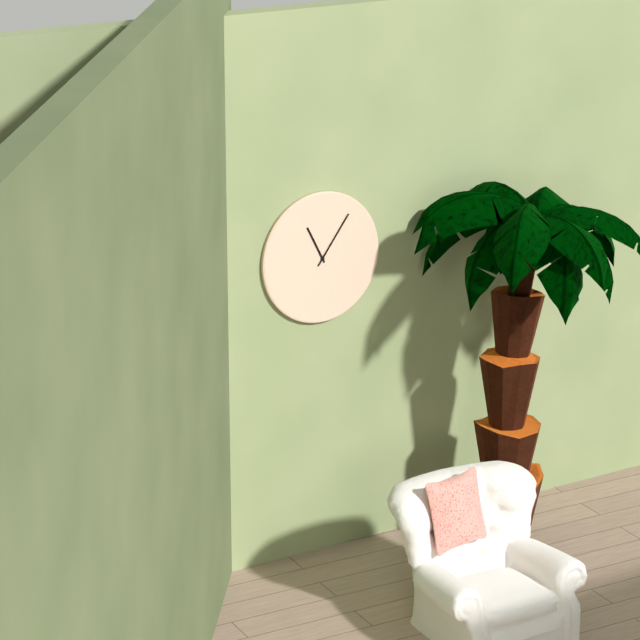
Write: 11:06
